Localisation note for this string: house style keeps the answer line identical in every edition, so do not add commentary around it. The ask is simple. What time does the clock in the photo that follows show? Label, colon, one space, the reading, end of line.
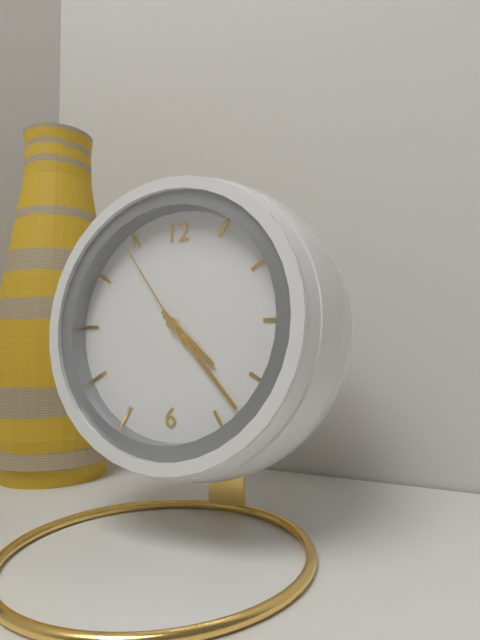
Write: 4:23:54
